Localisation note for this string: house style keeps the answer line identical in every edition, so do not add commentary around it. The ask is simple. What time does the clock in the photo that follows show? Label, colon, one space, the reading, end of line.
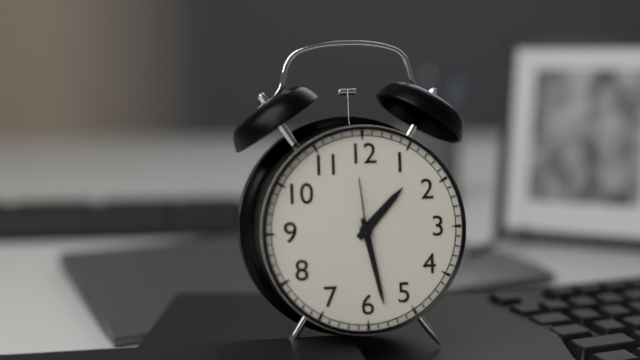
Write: 1:28:59
